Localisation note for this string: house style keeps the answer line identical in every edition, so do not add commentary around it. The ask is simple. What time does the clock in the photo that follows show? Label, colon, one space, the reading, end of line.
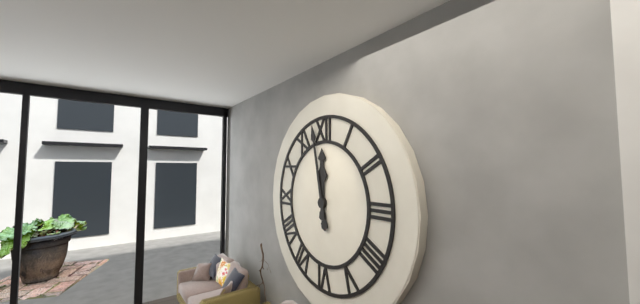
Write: 11:58
